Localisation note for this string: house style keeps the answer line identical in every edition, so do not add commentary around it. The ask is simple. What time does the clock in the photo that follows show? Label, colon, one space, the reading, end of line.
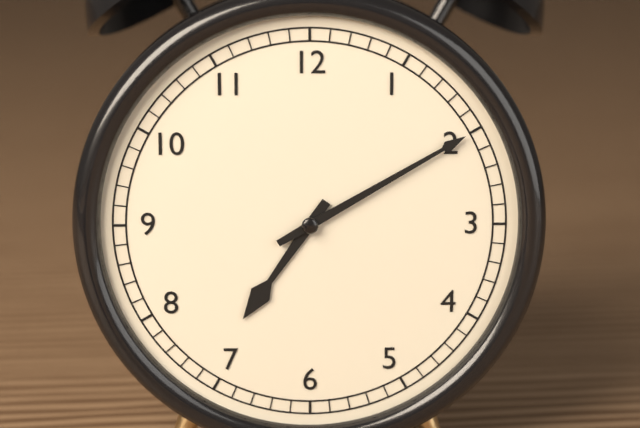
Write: 7:10
